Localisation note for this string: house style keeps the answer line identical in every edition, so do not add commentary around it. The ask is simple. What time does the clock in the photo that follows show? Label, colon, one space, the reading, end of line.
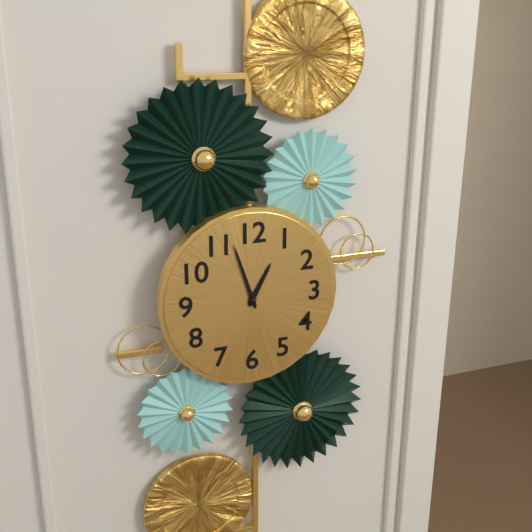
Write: 12:57
